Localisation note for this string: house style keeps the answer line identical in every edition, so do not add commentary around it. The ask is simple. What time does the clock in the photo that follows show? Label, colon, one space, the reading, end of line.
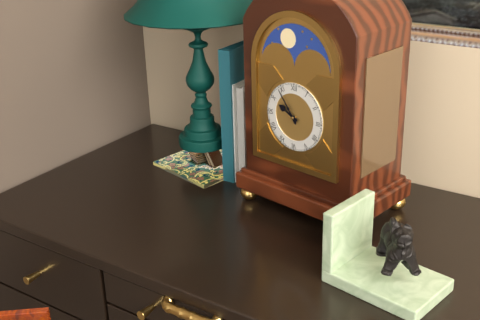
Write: 9:54
